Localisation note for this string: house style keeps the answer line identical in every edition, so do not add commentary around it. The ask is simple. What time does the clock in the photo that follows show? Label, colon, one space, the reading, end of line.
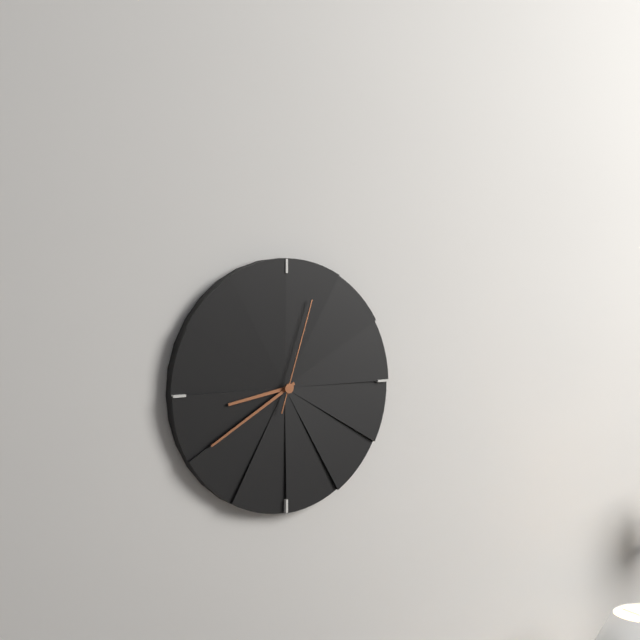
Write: 8:40:03
